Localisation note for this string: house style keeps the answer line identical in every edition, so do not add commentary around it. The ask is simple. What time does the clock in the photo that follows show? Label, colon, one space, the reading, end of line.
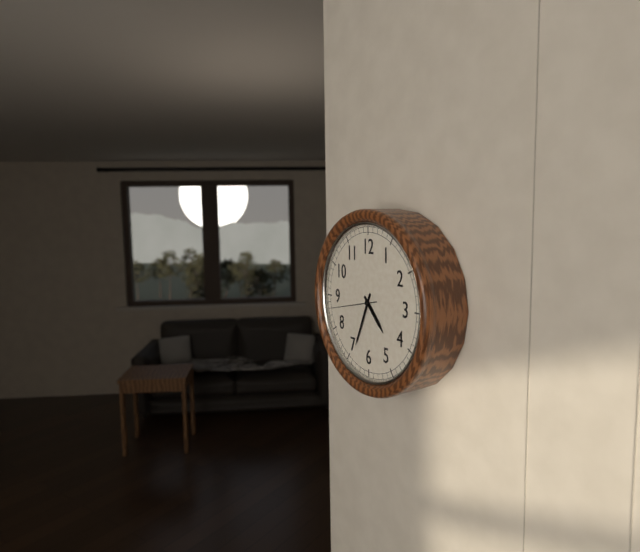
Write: 4:34
